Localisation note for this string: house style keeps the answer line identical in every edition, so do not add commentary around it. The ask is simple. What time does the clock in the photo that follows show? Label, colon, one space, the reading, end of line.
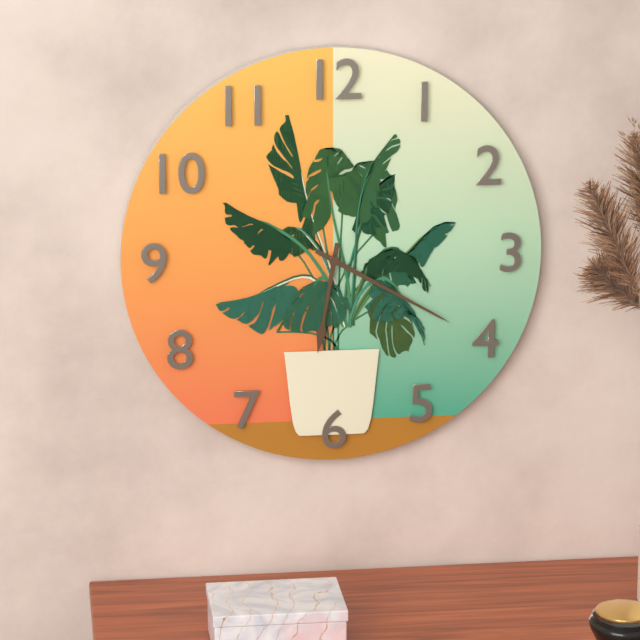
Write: 6:20
